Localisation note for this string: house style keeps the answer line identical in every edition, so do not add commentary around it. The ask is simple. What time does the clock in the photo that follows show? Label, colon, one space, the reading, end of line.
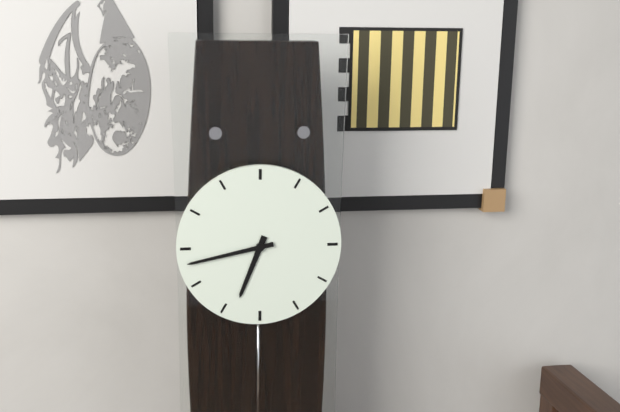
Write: 6:43
